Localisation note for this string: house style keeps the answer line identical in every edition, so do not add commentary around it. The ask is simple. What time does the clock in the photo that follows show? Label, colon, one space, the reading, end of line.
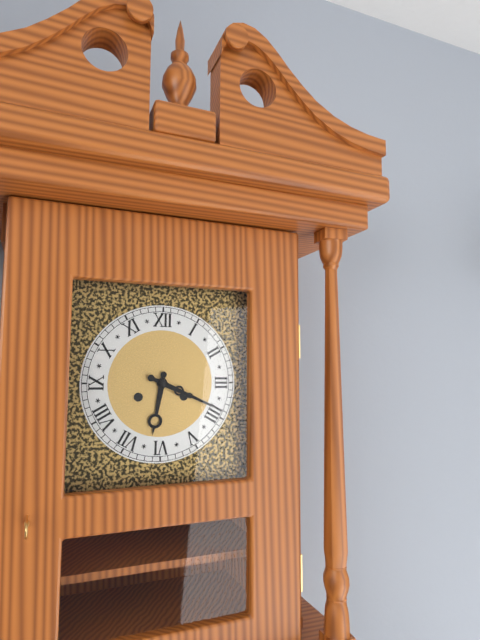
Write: 6:19
